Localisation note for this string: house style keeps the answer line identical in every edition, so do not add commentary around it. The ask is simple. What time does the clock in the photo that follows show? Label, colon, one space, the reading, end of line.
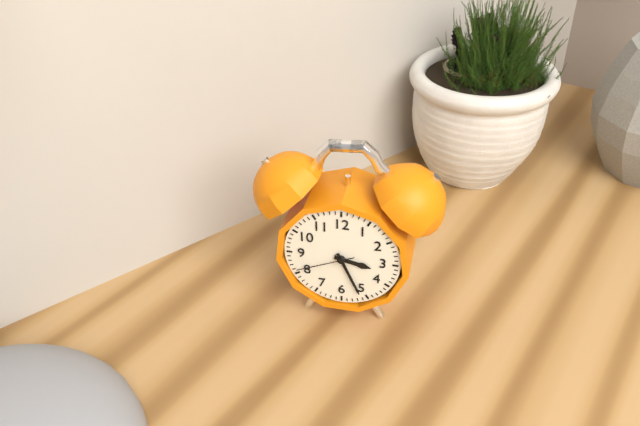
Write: 3:26:41
